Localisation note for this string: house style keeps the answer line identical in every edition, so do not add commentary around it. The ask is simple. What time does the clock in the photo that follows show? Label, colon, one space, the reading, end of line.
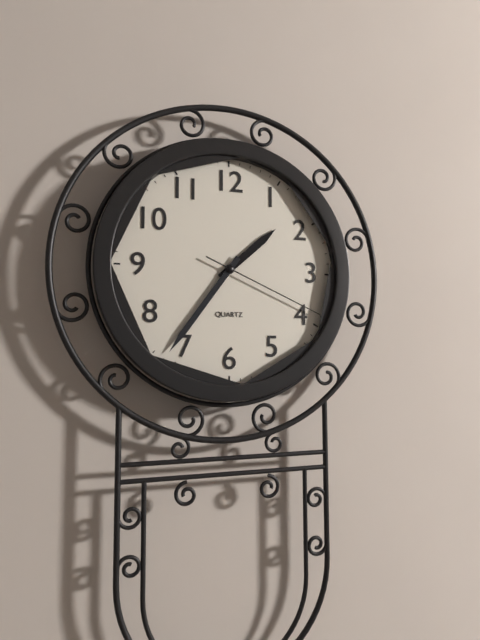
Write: 1:36:19
